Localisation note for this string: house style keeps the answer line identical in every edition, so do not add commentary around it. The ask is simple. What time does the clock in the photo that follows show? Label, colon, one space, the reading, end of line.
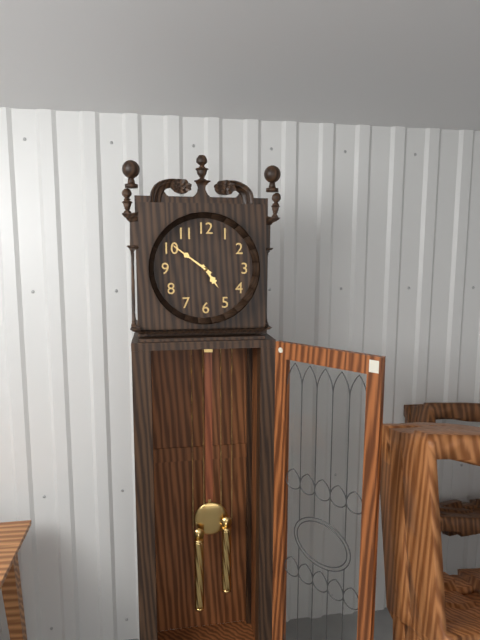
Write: 4:51
